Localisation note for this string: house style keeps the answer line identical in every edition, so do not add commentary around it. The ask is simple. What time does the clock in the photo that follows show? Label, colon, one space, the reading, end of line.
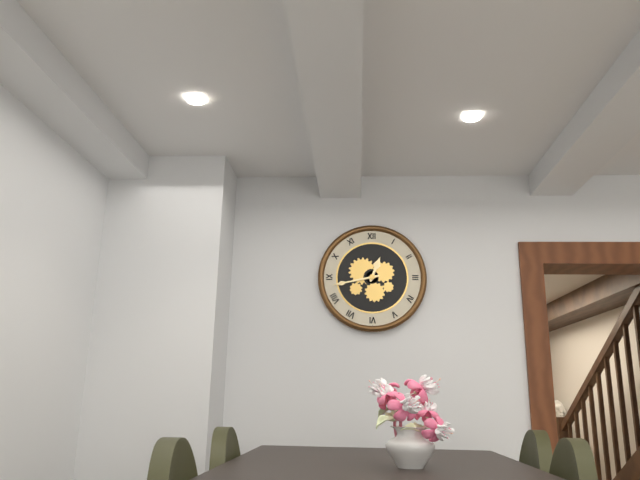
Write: 12:43
